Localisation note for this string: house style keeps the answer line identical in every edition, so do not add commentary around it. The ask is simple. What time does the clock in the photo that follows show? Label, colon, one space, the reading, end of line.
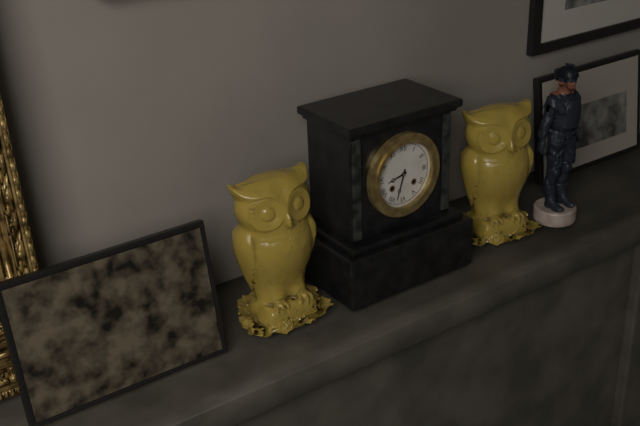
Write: 8:33
